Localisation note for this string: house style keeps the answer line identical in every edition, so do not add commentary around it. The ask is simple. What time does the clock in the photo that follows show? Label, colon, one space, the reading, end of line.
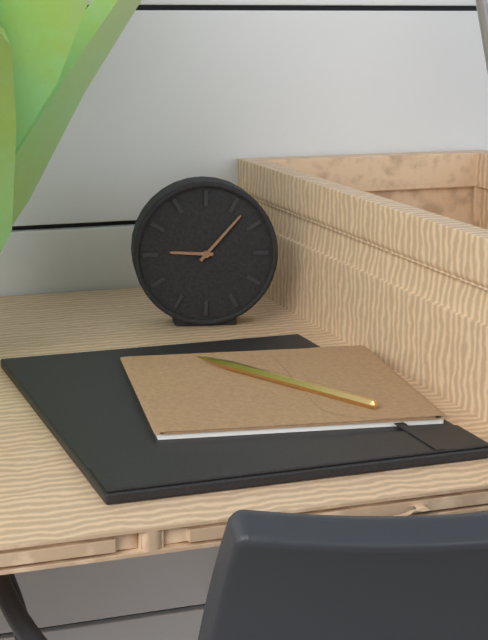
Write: 9:07
